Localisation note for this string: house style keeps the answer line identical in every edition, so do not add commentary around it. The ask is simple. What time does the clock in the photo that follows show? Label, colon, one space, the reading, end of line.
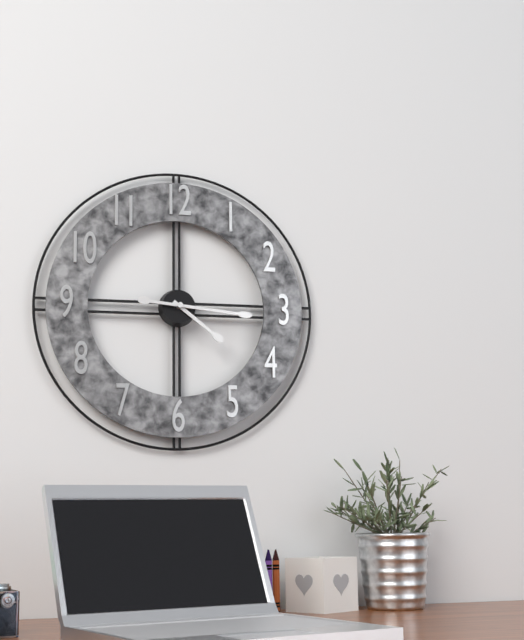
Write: 4:16
